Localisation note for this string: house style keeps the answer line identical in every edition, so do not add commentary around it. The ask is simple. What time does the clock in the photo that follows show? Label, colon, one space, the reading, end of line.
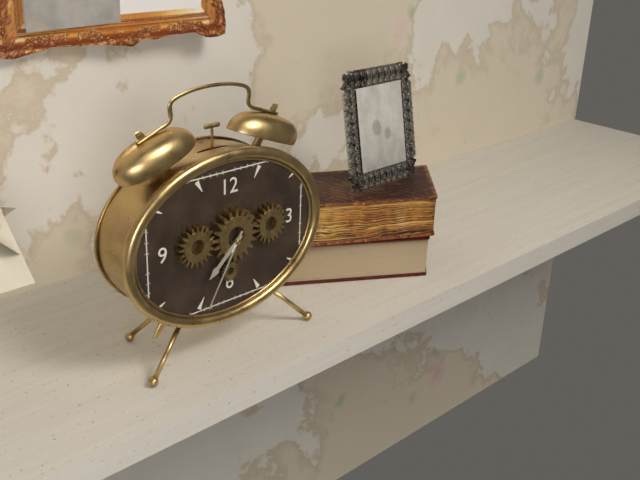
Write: 7:35
